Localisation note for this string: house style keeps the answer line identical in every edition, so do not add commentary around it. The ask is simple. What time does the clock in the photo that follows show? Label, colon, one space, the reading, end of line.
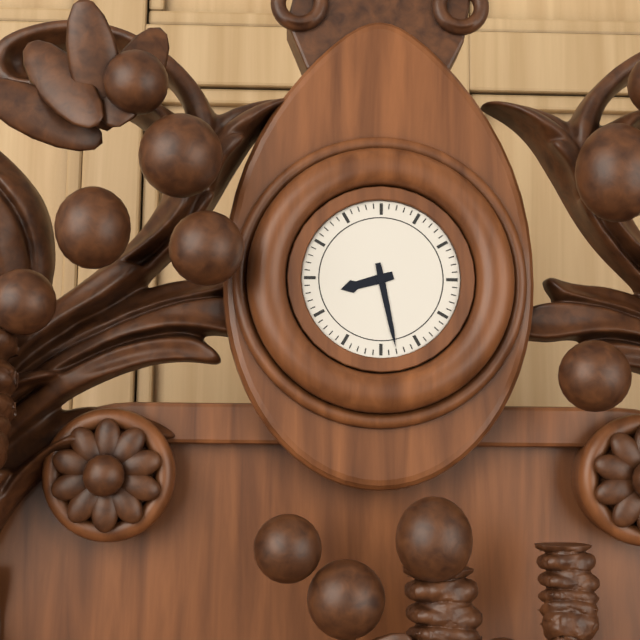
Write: 8:28
